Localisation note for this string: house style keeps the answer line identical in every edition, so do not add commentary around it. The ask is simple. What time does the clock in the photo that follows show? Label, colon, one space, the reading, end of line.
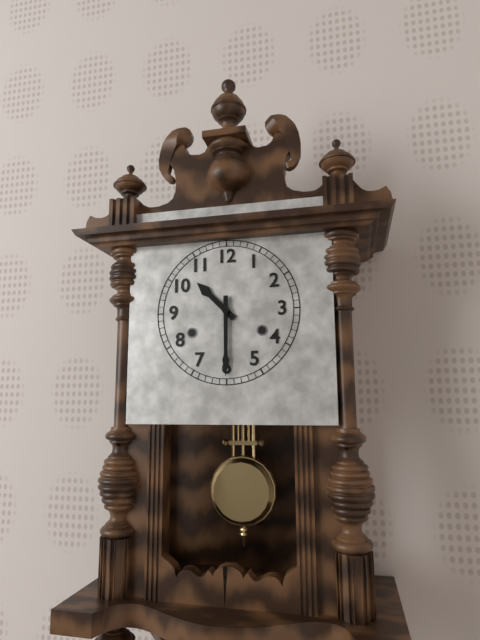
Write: 10:30
